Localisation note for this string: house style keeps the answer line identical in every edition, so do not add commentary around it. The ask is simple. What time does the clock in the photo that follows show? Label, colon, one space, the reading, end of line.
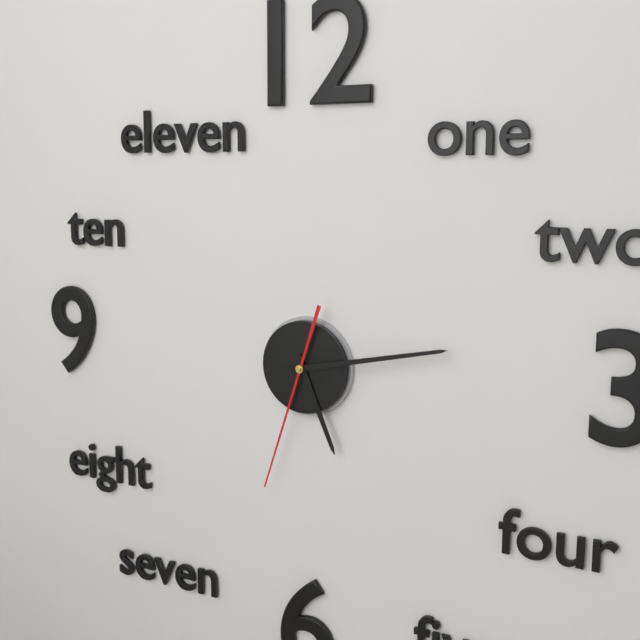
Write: 5:13:33
